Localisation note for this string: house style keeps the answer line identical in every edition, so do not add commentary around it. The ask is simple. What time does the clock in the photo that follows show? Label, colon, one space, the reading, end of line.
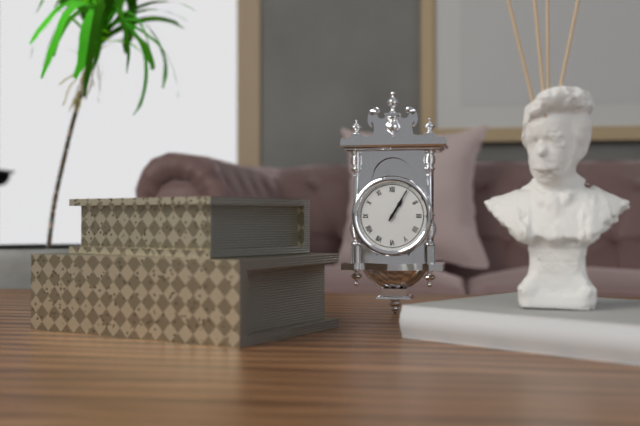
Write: 1:05
